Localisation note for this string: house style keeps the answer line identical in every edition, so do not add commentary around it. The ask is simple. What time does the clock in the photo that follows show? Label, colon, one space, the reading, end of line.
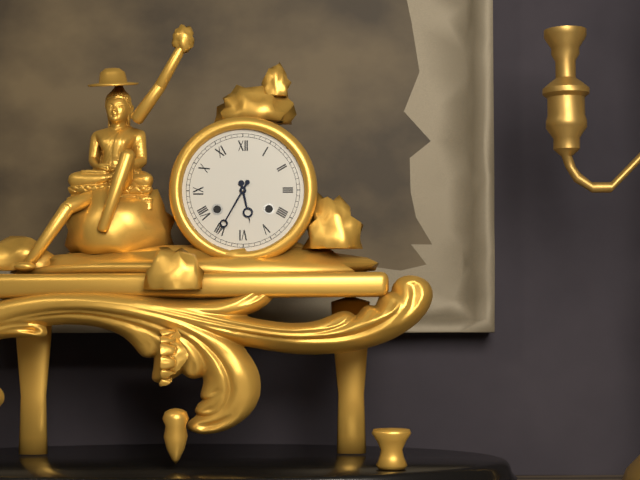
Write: 5:35
